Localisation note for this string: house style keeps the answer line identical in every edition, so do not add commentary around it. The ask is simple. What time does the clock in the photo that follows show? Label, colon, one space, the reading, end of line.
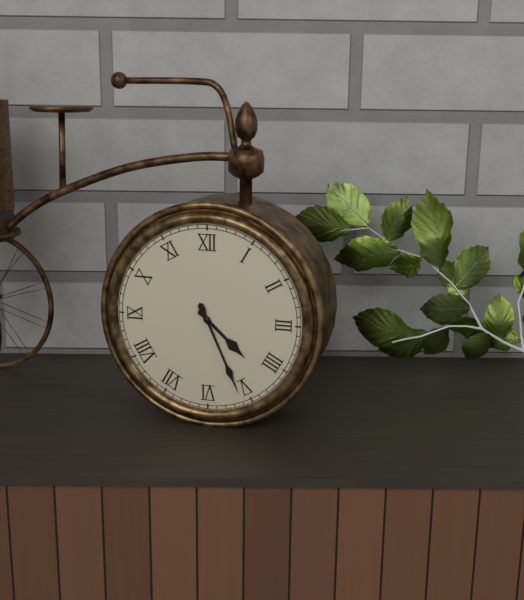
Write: 4:26
